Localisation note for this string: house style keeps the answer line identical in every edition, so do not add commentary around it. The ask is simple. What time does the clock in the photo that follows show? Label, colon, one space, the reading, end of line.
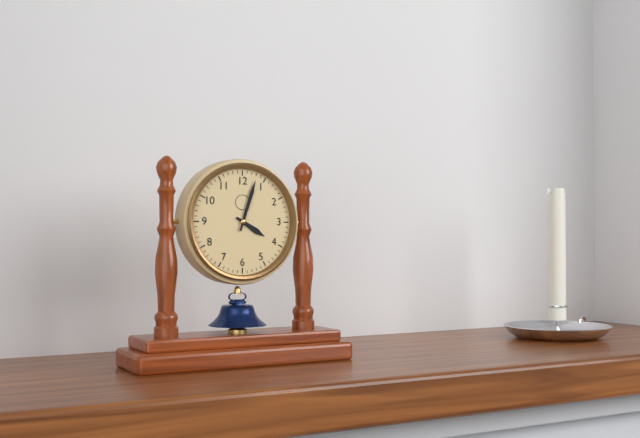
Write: 4:03
